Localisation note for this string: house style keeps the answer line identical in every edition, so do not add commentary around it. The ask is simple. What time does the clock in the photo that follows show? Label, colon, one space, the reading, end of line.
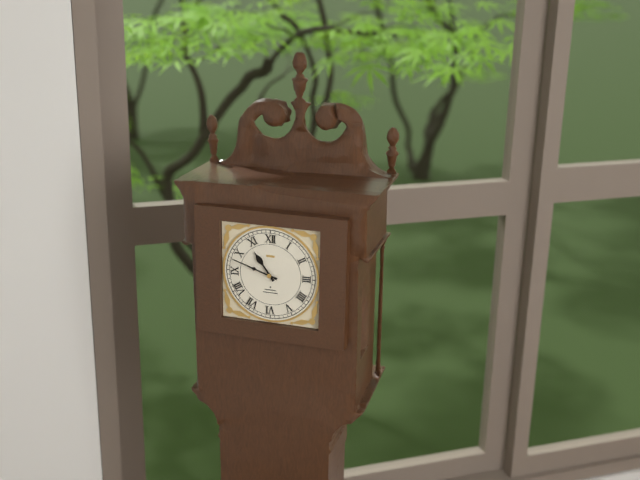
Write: 10:48
